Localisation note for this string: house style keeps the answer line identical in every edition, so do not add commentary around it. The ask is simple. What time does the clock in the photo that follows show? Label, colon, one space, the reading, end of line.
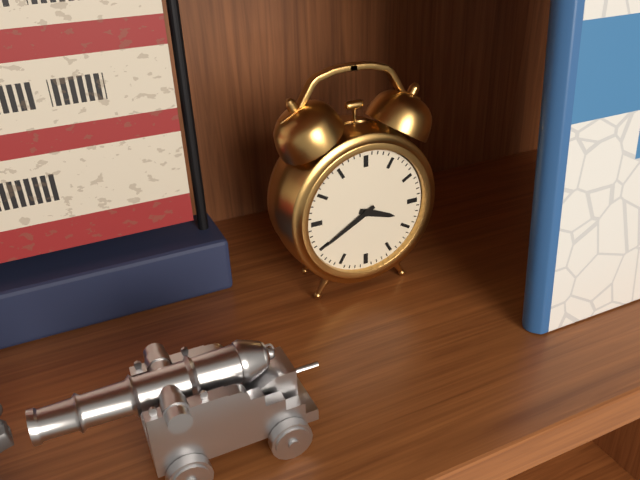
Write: 3:40
